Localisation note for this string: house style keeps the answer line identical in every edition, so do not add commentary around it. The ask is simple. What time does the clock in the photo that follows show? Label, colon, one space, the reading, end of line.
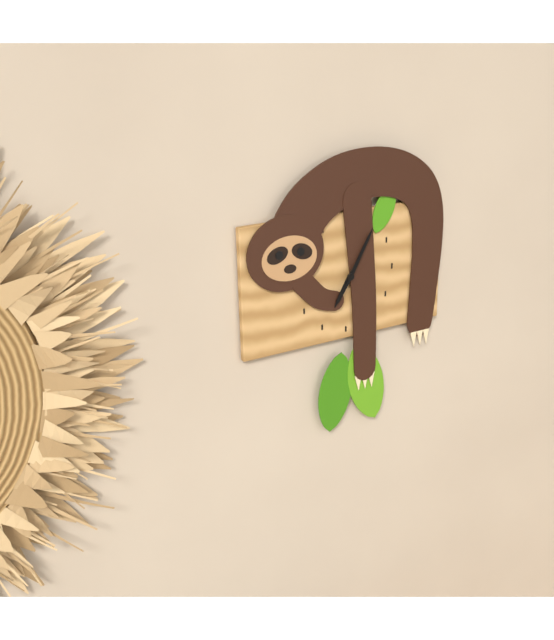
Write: 7:05
